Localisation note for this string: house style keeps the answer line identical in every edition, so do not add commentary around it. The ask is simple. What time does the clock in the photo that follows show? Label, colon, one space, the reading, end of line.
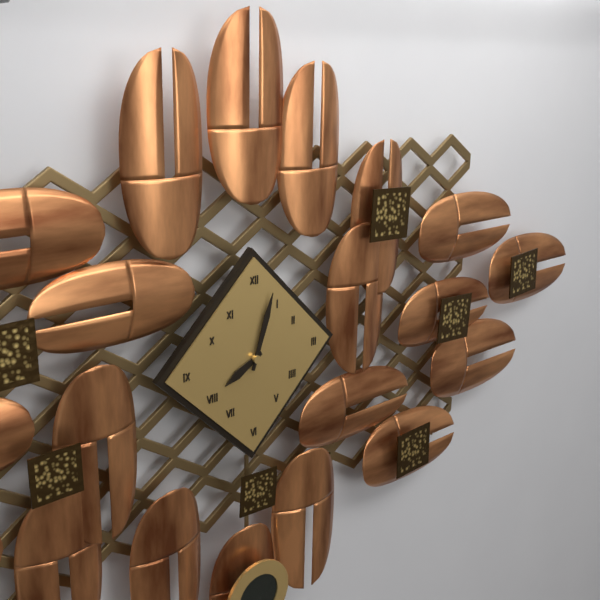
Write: 8:03
